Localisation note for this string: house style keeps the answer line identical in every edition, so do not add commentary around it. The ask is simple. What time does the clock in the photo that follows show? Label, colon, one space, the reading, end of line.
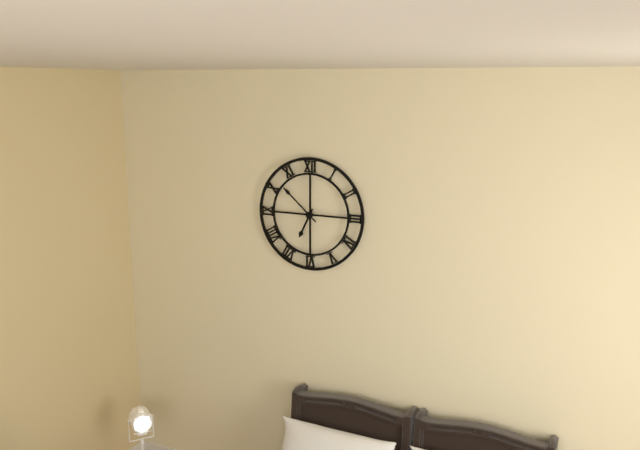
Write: 6:52
